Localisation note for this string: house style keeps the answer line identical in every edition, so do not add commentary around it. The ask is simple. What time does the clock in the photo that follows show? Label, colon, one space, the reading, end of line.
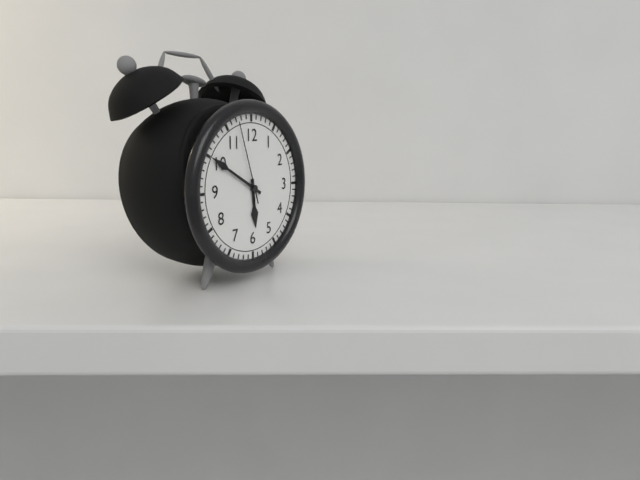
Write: 5:50:57
